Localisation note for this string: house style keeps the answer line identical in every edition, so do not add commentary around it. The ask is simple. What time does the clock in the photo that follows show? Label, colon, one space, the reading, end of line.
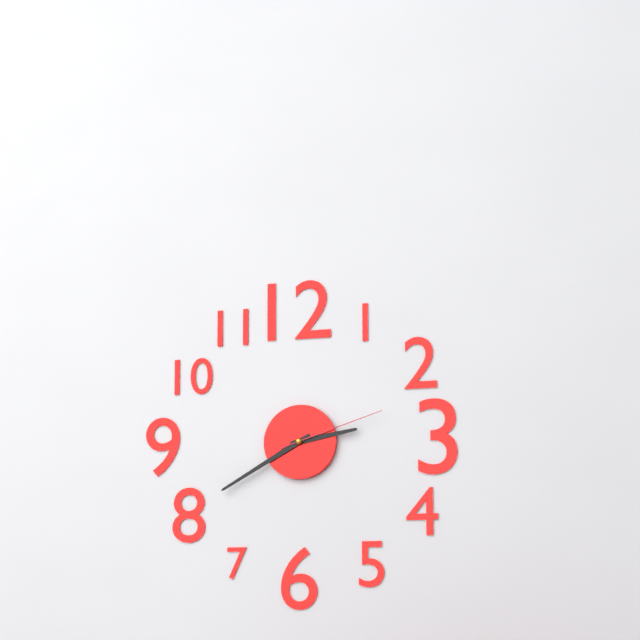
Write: 2:40:12
